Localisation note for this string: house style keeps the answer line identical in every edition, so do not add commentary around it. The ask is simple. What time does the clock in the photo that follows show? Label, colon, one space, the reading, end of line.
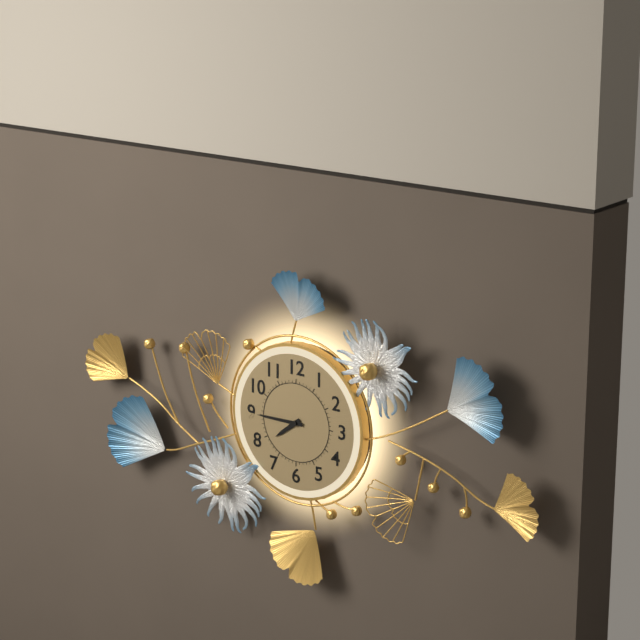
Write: 7:45
